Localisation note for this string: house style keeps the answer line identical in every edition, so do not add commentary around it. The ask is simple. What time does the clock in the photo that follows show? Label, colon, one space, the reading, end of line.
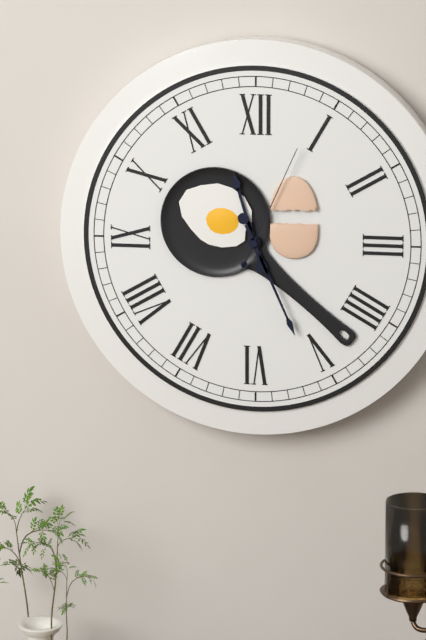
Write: 11:26:04
